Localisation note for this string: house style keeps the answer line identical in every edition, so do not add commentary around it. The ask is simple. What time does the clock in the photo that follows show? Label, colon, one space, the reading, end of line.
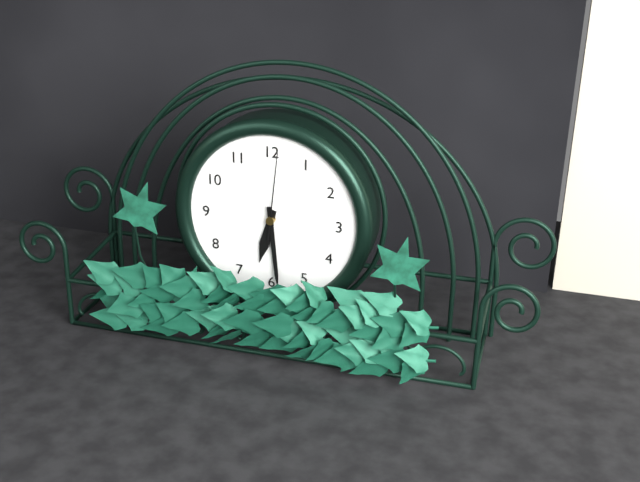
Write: 6:29:01
